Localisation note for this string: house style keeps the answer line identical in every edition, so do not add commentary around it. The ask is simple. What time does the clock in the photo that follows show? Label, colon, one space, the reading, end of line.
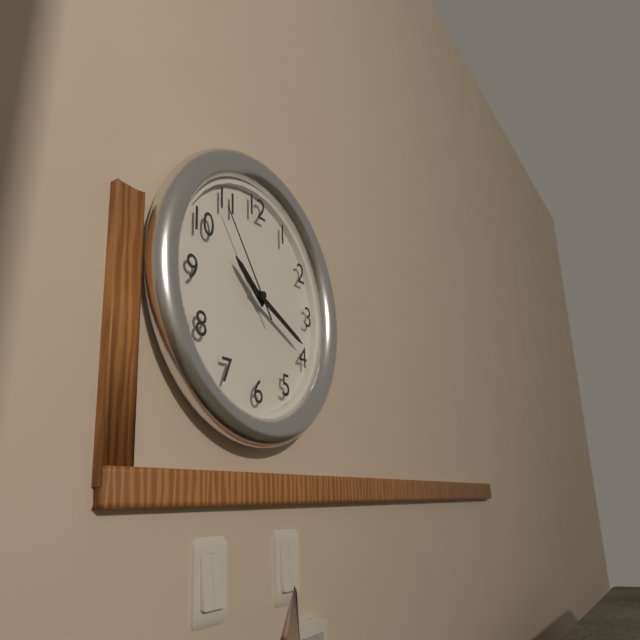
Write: 10:19:54
